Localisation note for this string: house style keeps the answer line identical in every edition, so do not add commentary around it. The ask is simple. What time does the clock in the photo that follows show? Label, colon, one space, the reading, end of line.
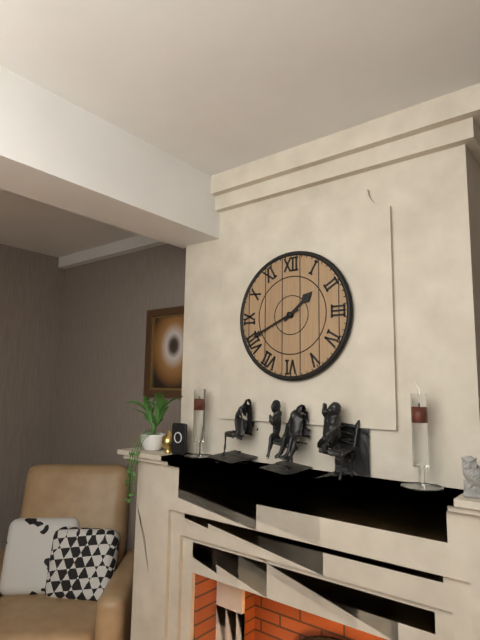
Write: 1:41
